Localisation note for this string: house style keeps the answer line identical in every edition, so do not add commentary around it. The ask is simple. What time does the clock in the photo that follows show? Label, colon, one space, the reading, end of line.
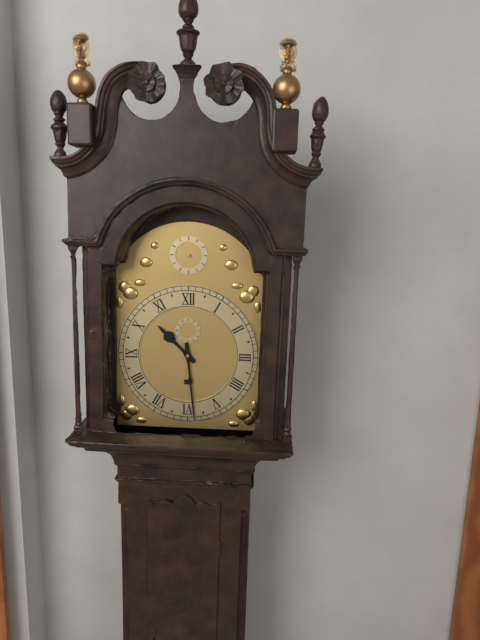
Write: 10:29
